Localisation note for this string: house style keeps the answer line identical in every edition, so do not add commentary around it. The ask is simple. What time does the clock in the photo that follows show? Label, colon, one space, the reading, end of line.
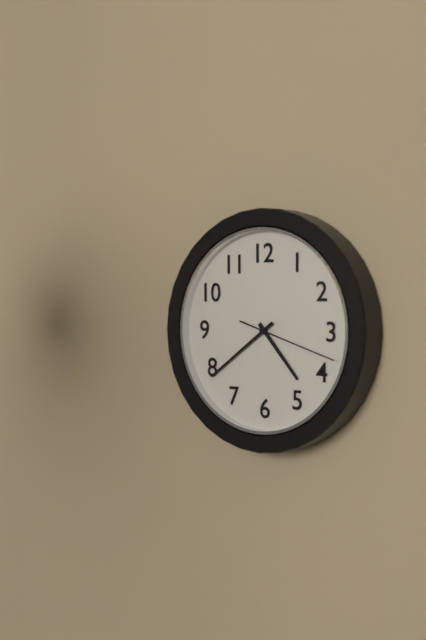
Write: 4:39:18
